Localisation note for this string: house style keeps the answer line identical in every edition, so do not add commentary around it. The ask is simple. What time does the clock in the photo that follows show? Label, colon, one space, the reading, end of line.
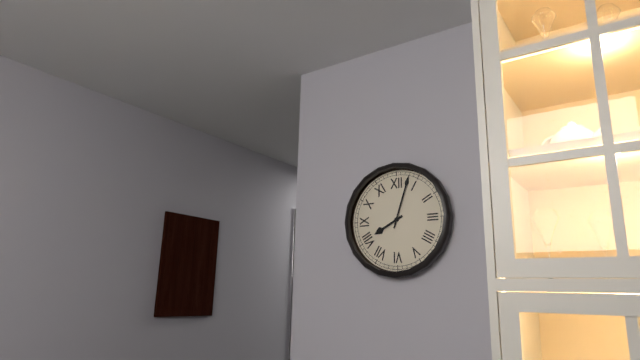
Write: 8:03
